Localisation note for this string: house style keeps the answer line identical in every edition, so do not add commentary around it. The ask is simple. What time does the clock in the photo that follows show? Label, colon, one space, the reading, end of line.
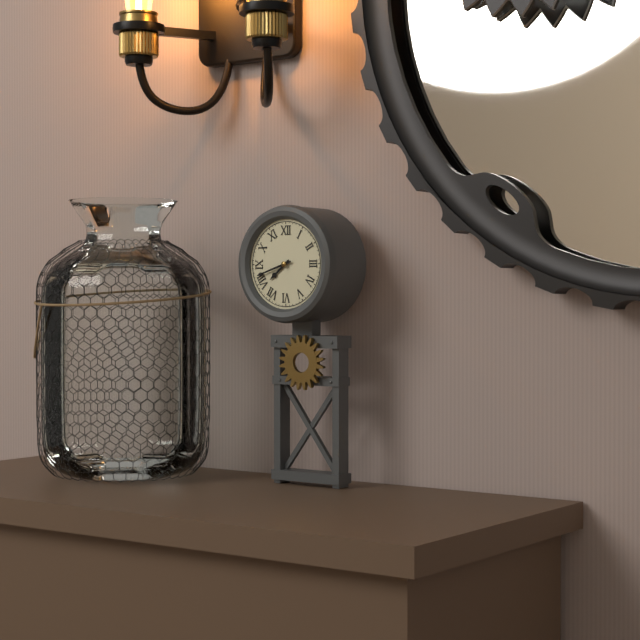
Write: 7:42
